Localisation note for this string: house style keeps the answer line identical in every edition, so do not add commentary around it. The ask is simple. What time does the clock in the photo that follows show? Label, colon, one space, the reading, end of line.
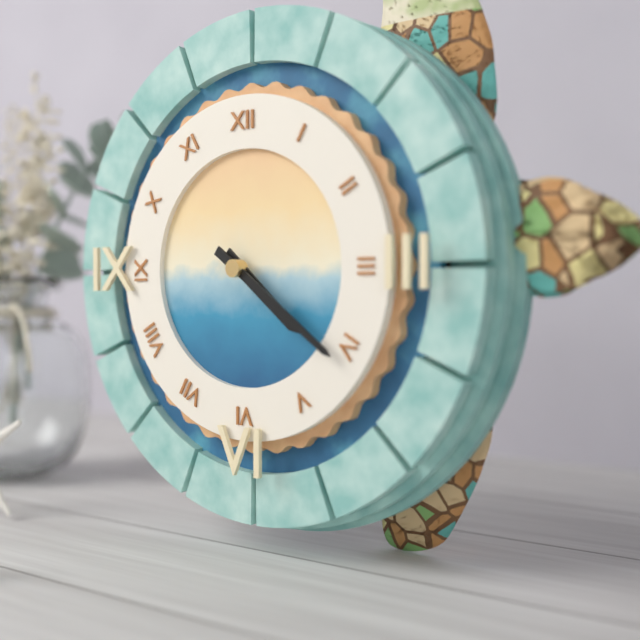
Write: 4:21
